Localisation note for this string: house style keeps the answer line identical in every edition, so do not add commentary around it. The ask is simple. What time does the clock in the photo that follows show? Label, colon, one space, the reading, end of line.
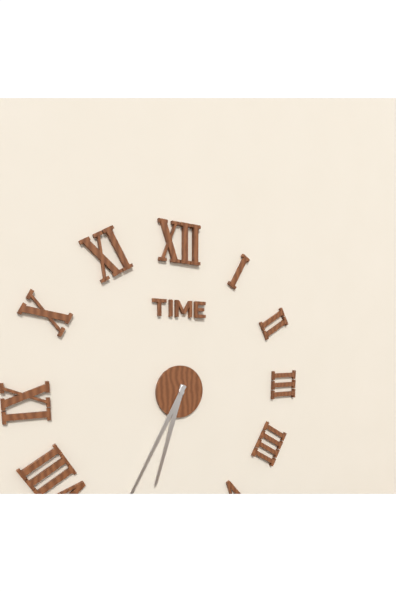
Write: 6:35
